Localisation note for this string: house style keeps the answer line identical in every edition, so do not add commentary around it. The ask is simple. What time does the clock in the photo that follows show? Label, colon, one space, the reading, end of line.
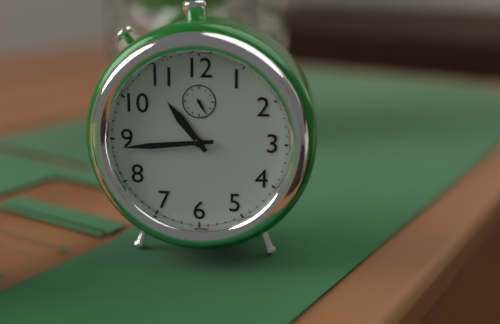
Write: 10:44
